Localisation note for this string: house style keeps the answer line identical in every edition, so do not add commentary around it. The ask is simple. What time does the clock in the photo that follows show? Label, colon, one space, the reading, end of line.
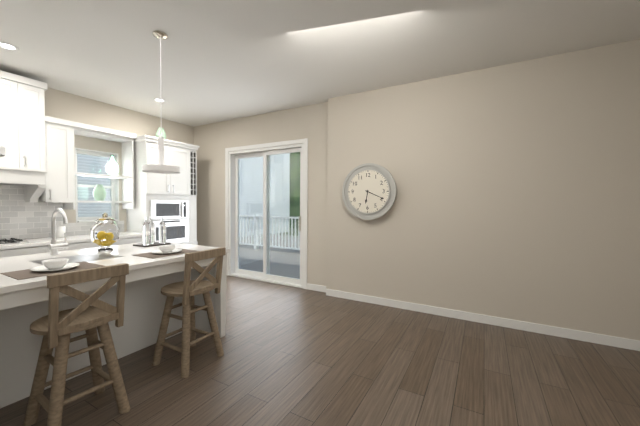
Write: 6:19
